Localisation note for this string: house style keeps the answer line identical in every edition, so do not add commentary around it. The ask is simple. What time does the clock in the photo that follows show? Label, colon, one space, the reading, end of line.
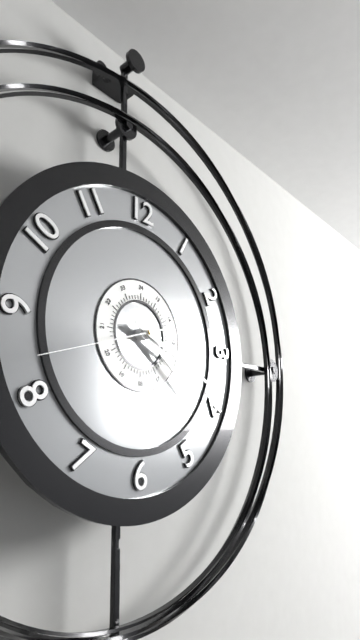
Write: 4:19:42
